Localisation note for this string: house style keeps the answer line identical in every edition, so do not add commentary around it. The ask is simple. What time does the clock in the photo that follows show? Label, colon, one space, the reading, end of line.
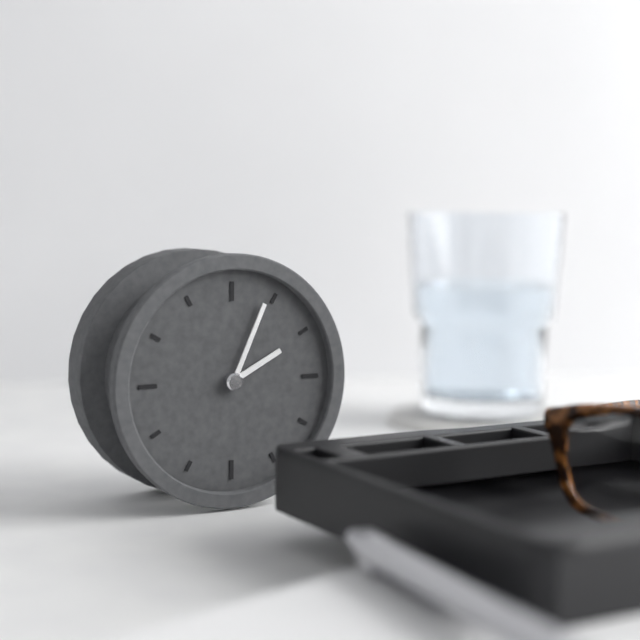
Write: 2:04
